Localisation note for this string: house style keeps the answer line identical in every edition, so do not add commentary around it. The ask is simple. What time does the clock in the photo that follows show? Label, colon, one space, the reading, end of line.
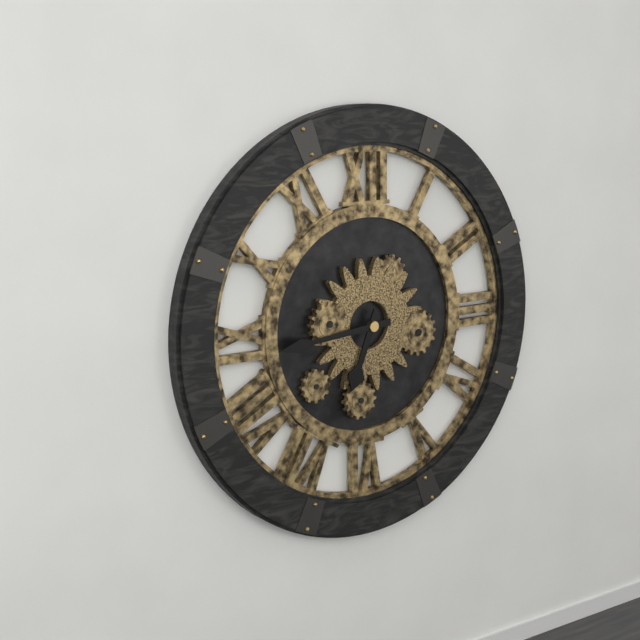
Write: 6:44
